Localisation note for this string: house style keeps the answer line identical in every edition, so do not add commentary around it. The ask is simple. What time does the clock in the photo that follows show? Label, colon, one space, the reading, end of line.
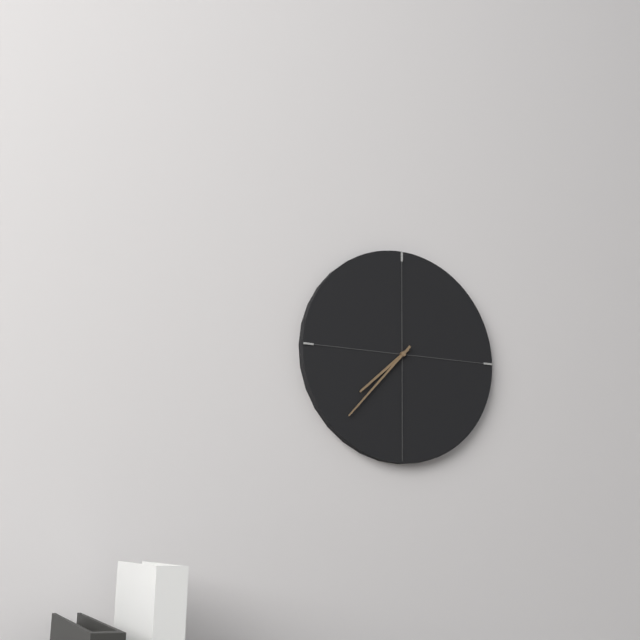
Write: 7:37
